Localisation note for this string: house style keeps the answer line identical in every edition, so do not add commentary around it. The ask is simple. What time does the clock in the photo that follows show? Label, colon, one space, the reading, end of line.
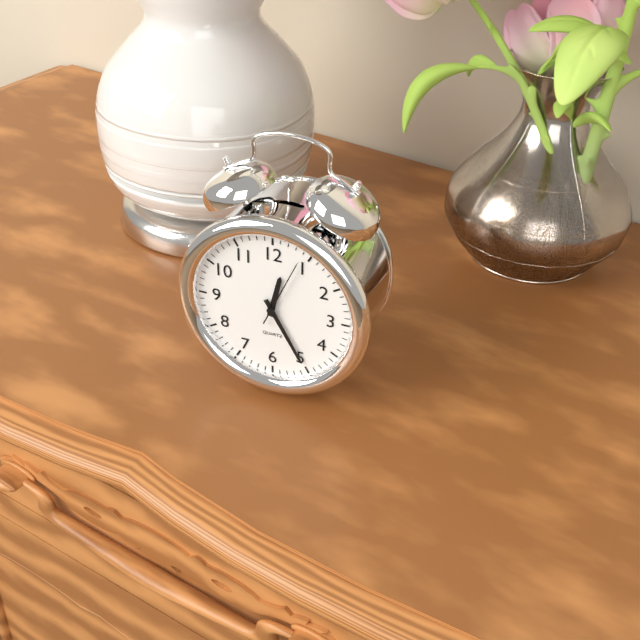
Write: 12:25:04
